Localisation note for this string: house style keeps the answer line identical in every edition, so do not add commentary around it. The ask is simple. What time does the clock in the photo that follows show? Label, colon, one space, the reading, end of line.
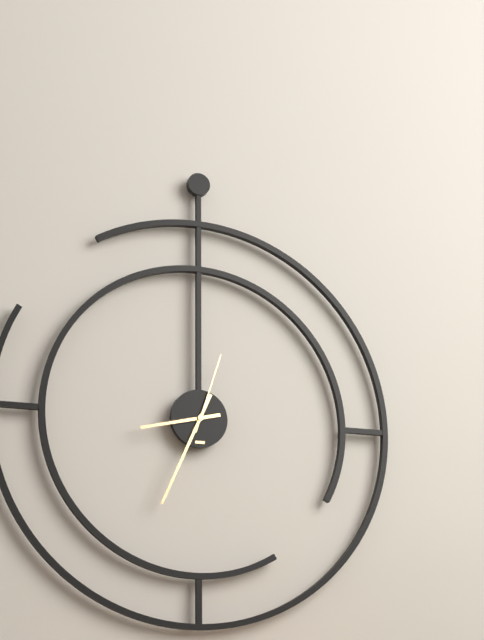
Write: 8:34:03
